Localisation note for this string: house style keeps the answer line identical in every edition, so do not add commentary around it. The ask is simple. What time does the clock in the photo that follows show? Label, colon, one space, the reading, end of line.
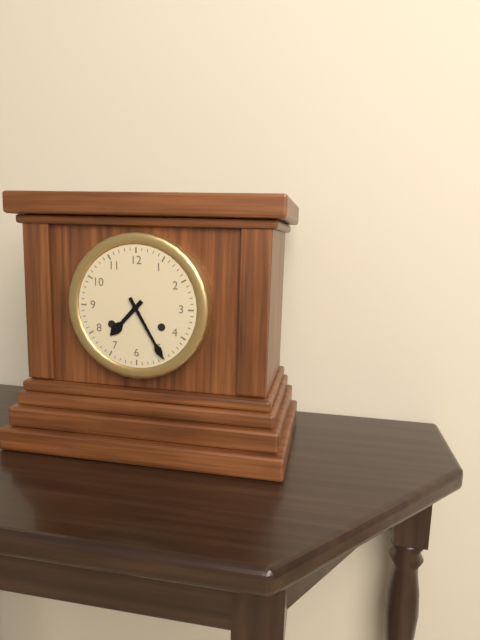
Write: 7:25
